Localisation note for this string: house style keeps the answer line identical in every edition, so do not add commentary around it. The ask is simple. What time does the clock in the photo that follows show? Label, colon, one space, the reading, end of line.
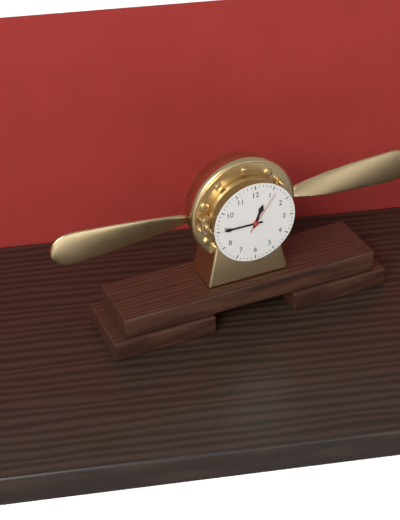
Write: 12:45
